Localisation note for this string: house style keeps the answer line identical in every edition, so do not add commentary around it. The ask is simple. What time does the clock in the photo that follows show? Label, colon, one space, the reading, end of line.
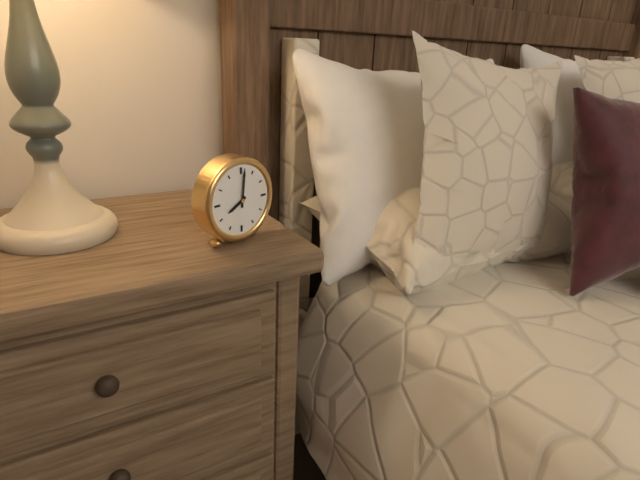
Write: 8:01
